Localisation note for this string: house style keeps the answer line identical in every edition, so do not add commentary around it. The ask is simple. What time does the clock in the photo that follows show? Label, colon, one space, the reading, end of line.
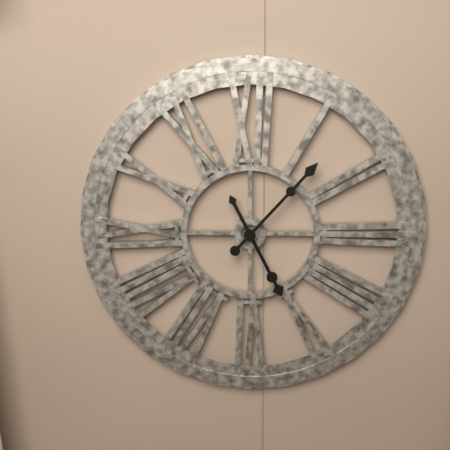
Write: 5:07
